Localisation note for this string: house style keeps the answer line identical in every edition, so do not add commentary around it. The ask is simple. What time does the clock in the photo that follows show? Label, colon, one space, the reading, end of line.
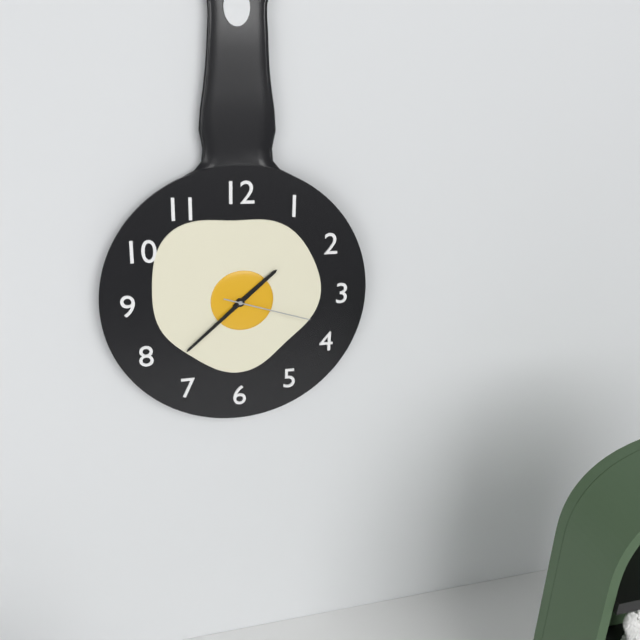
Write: 1:38:18
